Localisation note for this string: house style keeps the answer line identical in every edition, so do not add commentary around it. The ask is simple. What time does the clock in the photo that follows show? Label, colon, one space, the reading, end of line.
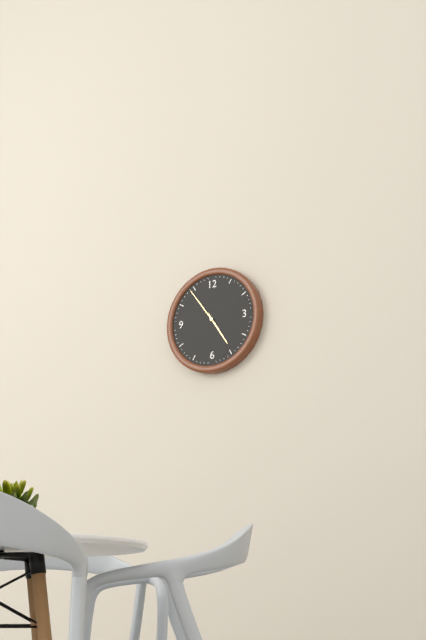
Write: 4:54
